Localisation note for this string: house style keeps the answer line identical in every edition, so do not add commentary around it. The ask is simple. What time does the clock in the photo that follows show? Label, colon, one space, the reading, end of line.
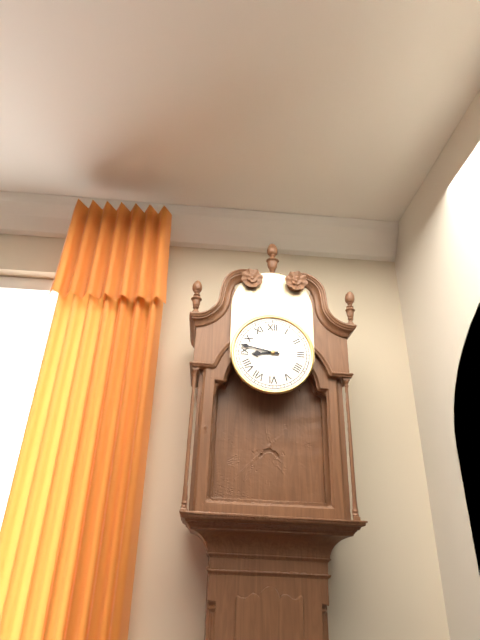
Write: 8:47
